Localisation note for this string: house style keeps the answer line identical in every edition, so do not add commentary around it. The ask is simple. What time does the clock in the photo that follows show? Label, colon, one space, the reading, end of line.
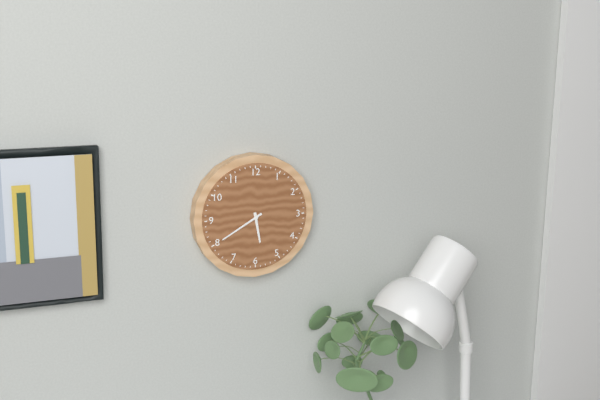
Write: 5:40
